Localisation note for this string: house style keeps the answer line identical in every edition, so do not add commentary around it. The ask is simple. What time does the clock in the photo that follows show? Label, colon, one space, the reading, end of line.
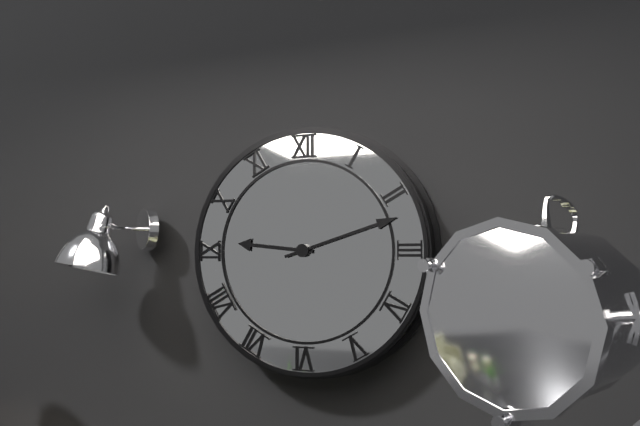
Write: 9:12
